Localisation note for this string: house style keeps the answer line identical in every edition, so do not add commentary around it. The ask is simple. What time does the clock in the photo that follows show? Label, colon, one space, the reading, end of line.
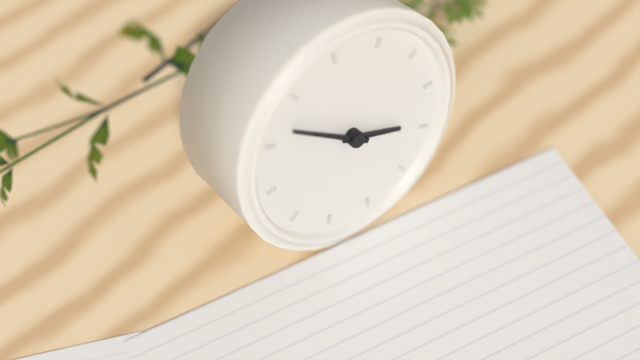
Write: 3:52
